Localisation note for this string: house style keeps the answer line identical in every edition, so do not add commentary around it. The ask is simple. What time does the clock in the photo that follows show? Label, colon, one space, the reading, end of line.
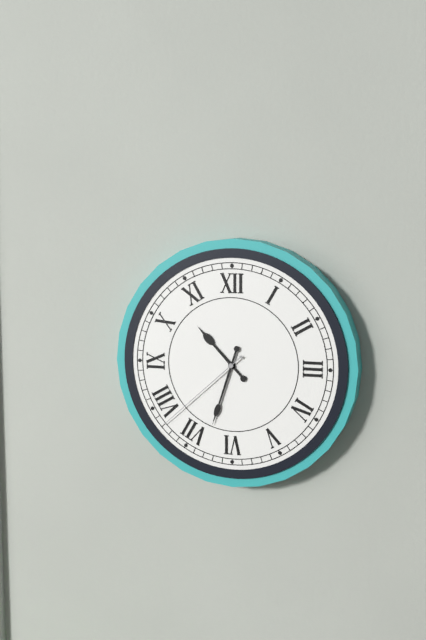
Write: 10:33:38
